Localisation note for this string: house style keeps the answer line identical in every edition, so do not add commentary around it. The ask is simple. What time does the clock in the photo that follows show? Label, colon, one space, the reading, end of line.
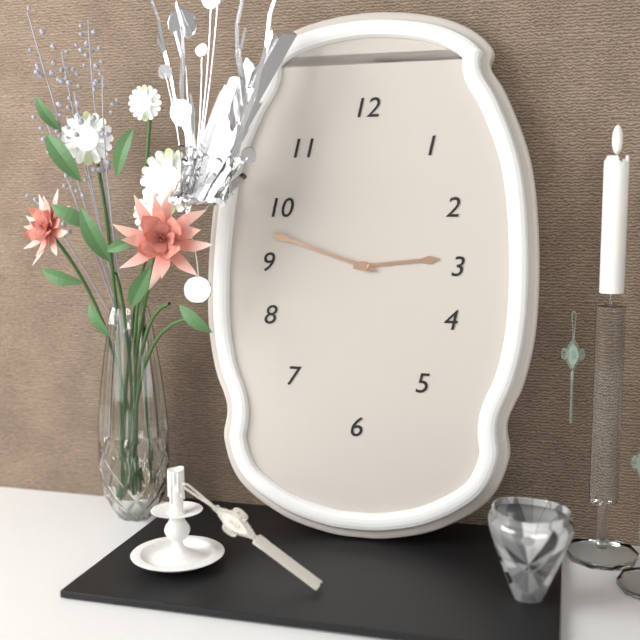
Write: 2:48
